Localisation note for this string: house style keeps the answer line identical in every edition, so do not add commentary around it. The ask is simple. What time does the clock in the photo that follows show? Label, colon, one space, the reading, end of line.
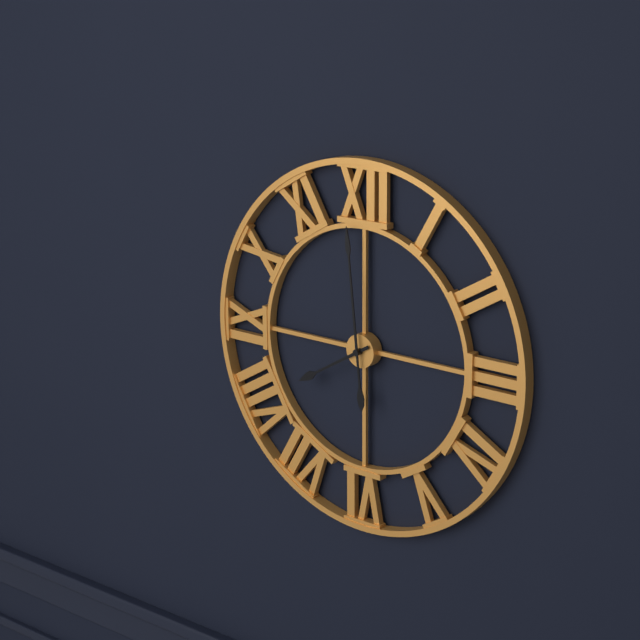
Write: 7:59
